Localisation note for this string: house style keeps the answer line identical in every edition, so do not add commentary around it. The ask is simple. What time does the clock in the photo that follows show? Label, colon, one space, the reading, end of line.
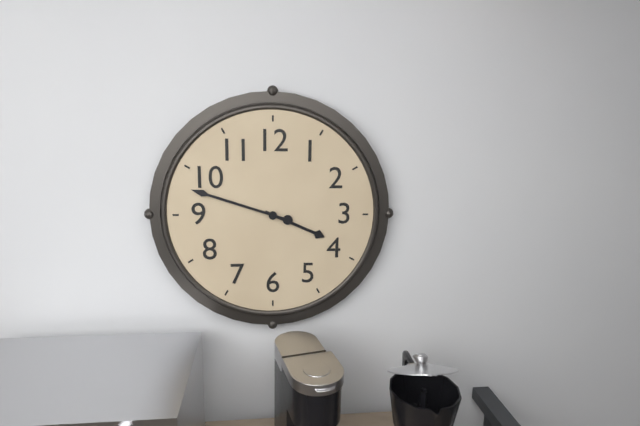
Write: 3:48
